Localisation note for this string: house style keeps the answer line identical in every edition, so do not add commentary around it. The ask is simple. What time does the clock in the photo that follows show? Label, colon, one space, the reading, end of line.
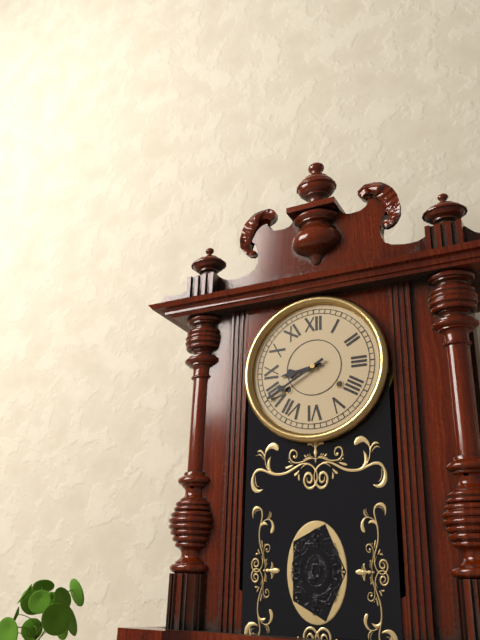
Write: 8:40
